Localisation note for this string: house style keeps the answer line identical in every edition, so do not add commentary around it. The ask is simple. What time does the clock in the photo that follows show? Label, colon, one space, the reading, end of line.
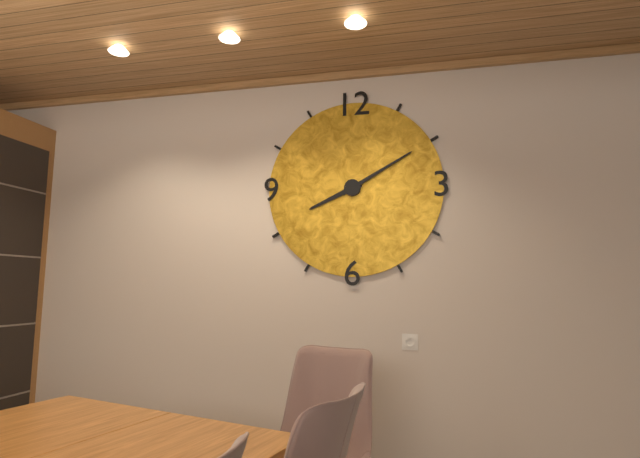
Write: 8:10
